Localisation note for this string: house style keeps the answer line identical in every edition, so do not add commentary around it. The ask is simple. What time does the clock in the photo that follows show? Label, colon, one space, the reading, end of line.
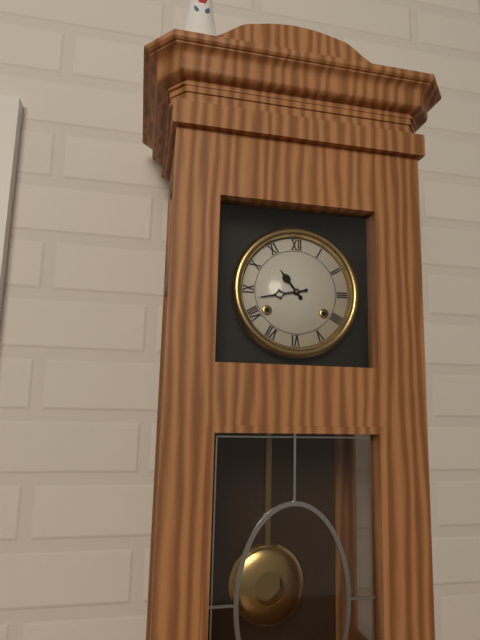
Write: 10:43
